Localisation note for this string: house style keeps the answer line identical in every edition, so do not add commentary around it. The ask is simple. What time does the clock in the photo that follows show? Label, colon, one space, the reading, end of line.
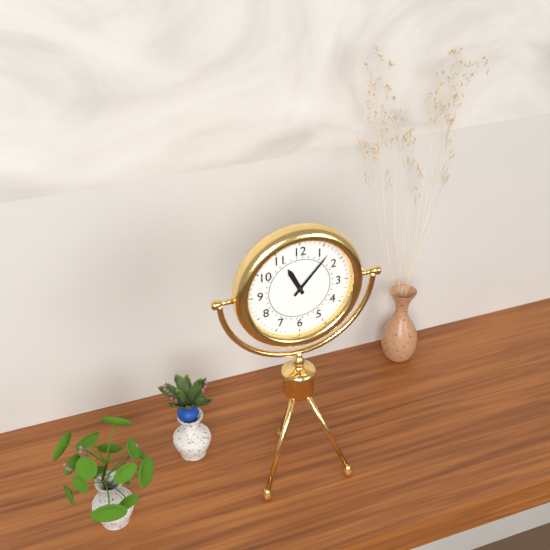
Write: 11:07
